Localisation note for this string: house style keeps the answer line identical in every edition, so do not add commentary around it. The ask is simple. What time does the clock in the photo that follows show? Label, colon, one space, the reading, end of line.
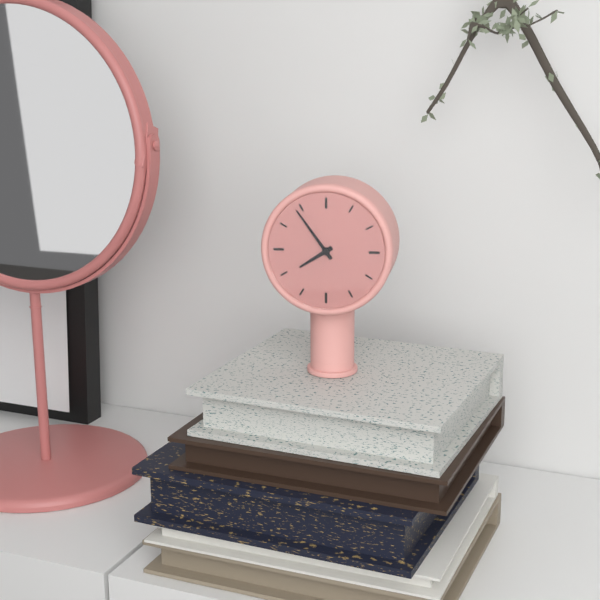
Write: 7:54
